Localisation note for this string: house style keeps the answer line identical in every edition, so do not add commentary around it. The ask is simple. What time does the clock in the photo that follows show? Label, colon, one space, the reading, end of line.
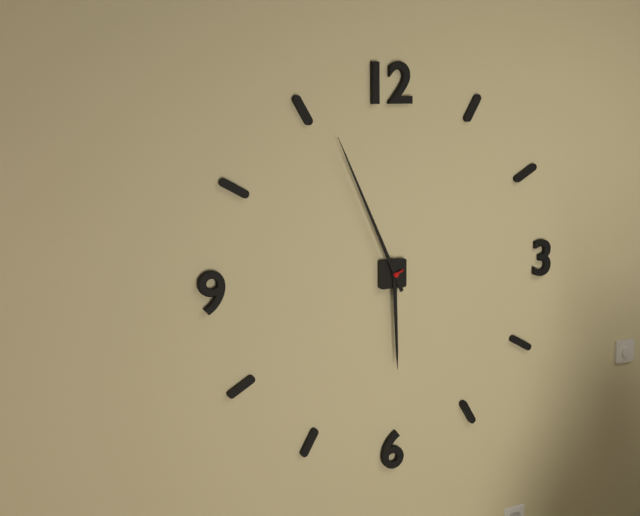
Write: 5:56
